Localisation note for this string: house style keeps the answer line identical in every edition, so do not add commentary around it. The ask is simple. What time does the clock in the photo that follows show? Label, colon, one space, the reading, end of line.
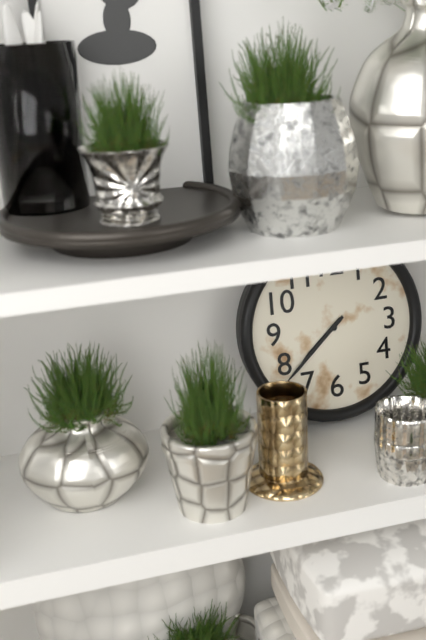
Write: 7:38
